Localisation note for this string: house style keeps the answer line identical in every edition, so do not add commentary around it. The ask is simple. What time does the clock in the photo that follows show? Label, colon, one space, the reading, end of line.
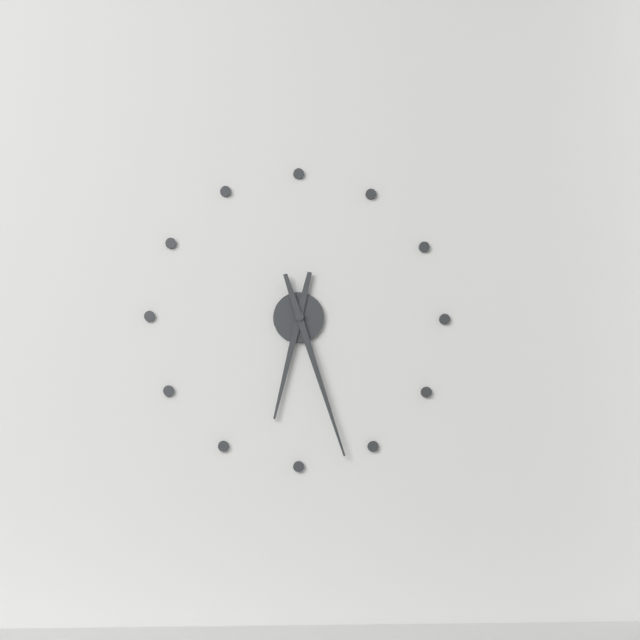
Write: 6:27
